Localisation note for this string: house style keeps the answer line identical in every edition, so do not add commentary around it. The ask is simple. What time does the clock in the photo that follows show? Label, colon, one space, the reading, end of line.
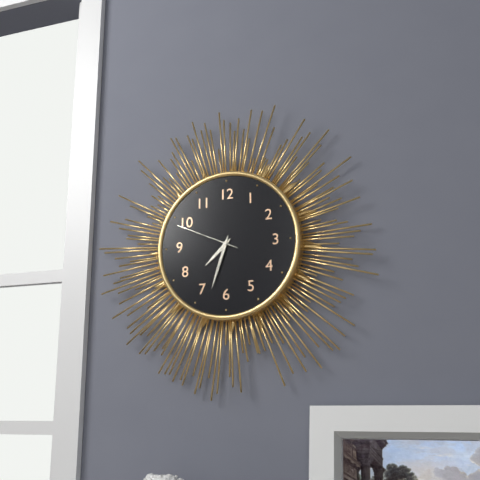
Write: 7:33:49
